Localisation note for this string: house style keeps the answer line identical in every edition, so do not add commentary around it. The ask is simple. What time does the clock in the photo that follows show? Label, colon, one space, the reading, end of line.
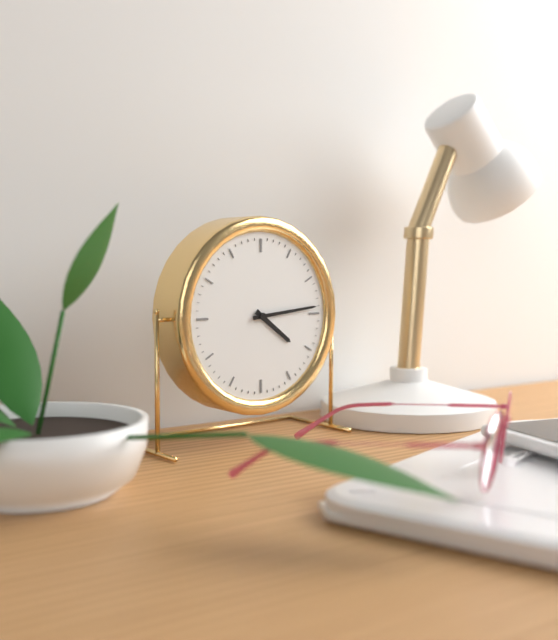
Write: 4:14
